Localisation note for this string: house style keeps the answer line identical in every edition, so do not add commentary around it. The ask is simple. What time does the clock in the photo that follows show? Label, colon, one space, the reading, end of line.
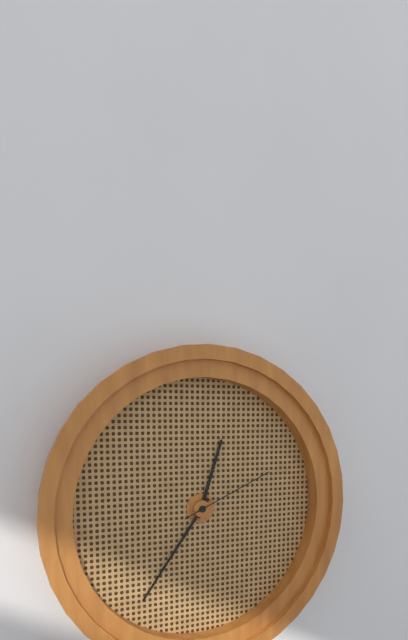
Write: 12:36:11
